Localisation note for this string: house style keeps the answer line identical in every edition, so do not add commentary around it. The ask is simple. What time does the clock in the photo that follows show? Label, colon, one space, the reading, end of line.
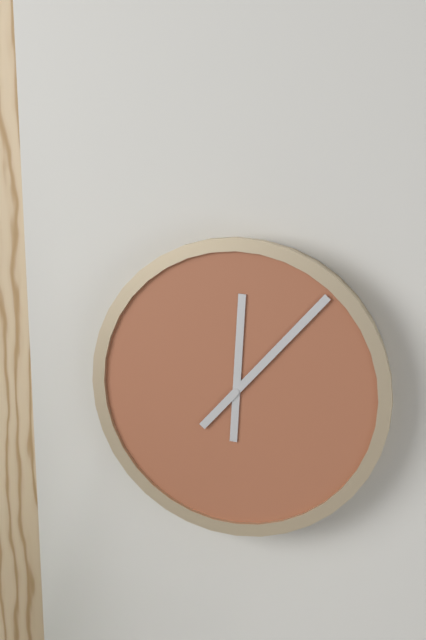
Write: 12:07
